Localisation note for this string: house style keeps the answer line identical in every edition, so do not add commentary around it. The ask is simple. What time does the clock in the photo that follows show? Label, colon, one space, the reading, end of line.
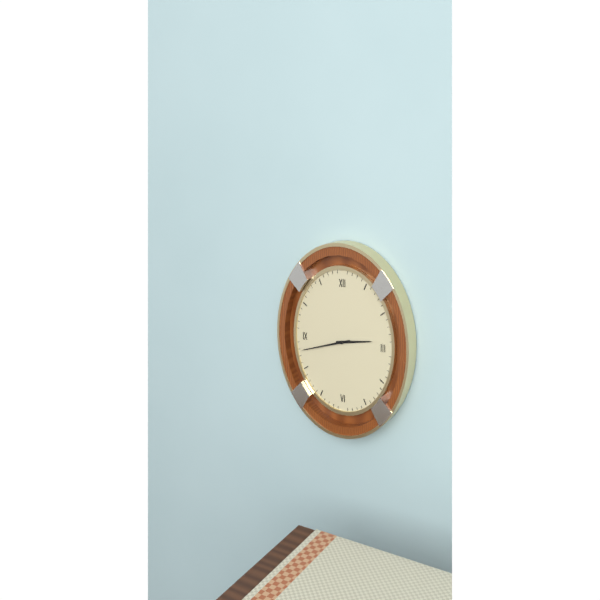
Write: 2:42
